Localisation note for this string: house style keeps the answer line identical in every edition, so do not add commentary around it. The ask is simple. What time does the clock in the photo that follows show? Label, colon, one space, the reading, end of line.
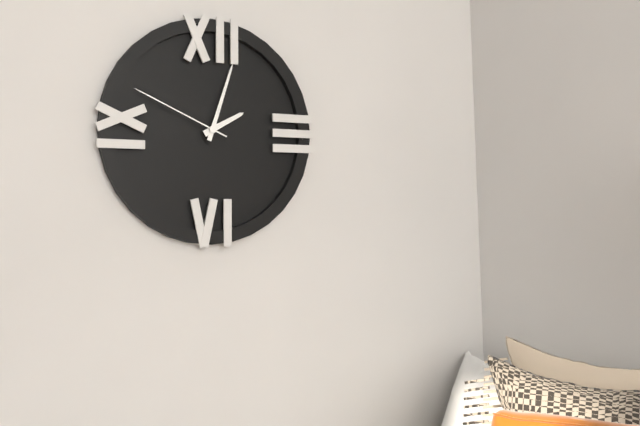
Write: 2:03:49
